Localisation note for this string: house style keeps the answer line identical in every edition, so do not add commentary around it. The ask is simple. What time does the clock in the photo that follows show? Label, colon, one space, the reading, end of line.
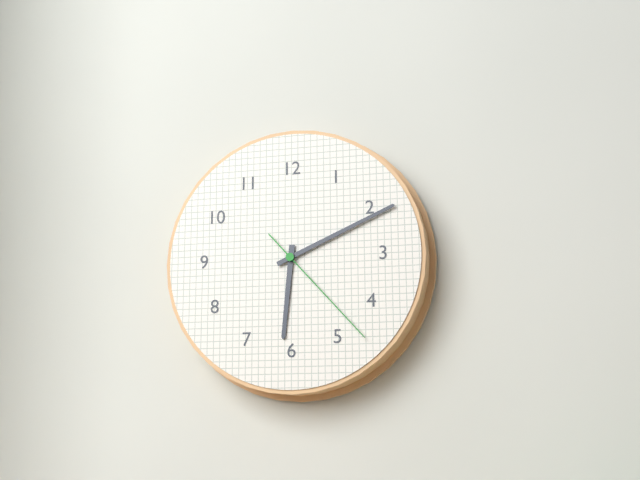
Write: 6:11:23
